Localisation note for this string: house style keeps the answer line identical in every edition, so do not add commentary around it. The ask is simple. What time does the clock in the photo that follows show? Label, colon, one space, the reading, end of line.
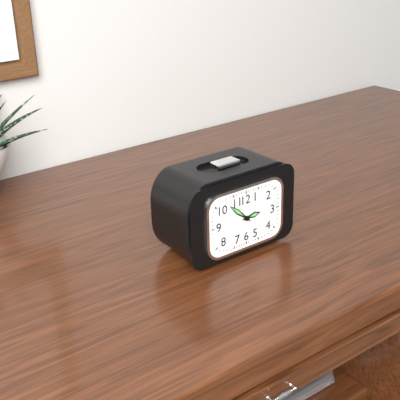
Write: 2:52
